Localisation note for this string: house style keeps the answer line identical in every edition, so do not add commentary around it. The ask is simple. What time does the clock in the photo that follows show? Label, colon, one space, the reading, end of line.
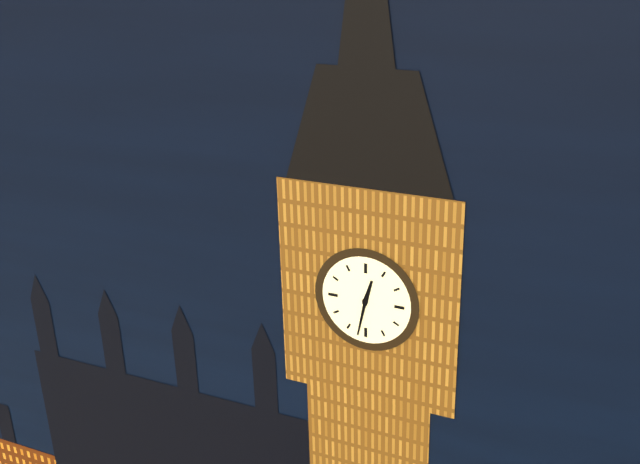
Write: 12:32
